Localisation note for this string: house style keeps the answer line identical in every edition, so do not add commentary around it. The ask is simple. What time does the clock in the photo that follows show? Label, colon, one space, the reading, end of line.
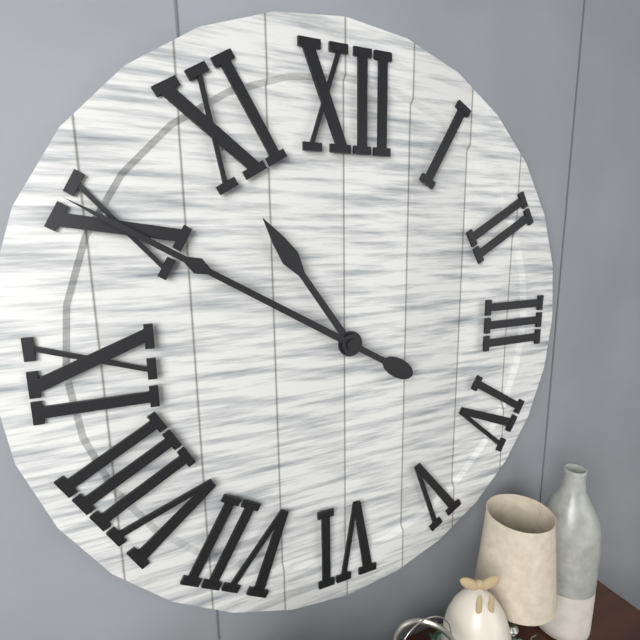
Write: 10:50
